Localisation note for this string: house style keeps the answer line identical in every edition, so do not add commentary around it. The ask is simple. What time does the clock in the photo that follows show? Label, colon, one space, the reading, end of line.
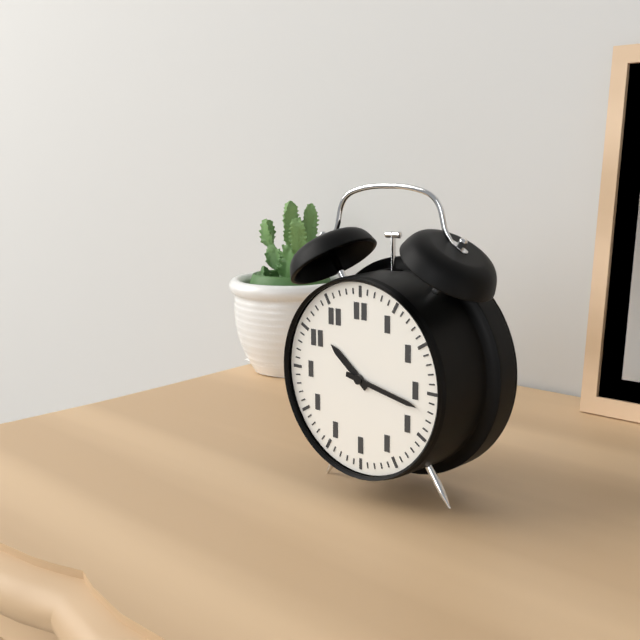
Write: 10:17
